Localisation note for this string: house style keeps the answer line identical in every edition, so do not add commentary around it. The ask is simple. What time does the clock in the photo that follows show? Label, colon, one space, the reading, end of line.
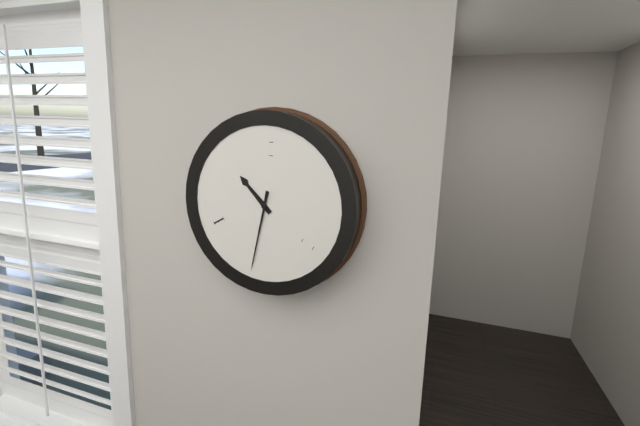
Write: 10:32
